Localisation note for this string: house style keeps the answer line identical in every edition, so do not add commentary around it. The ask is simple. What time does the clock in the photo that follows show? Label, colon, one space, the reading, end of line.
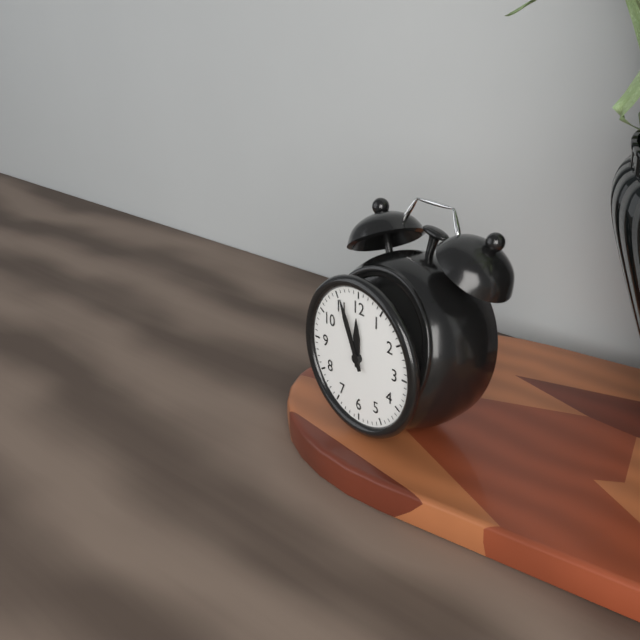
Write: 11:56
